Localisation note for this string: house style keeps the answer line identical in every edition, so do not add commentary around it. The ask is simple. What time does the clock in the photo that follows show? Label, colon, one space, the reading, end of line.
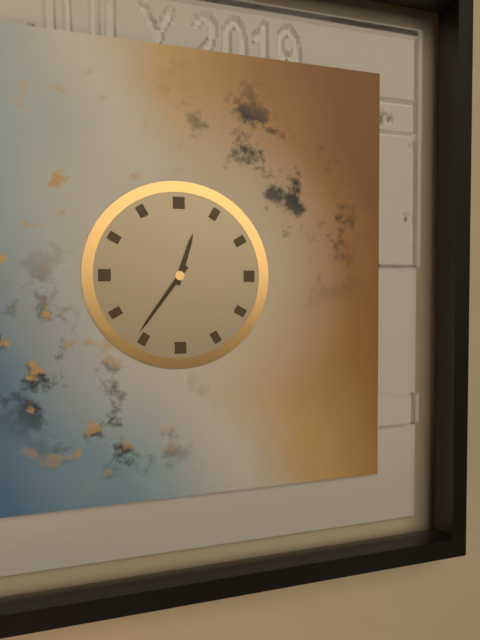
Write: 12:36
